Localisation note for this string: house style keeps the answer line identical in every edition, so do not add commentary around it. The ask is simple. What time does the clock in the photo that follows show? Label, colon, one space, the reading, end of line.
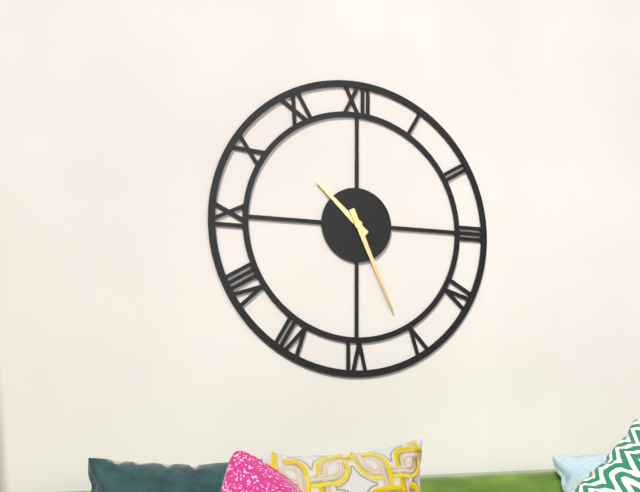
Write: 10:26
